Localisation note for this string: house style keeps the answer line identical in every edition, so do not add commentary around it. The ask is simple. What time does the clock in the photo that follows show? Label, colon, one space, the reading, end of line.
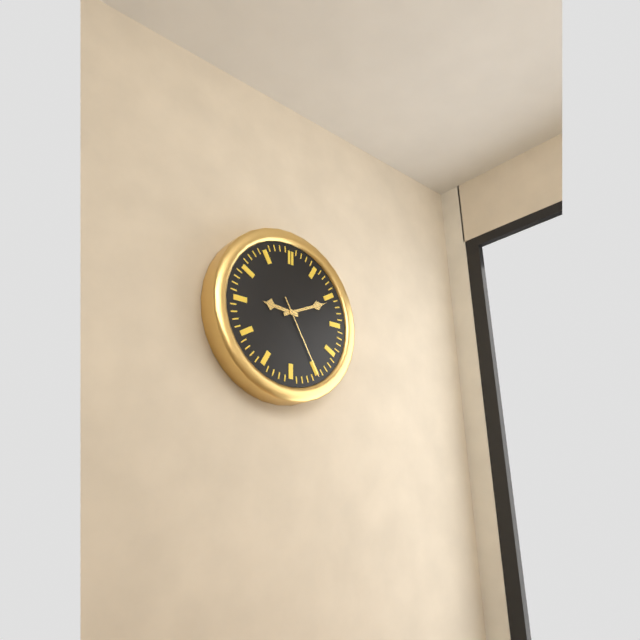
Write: 9:11:25
